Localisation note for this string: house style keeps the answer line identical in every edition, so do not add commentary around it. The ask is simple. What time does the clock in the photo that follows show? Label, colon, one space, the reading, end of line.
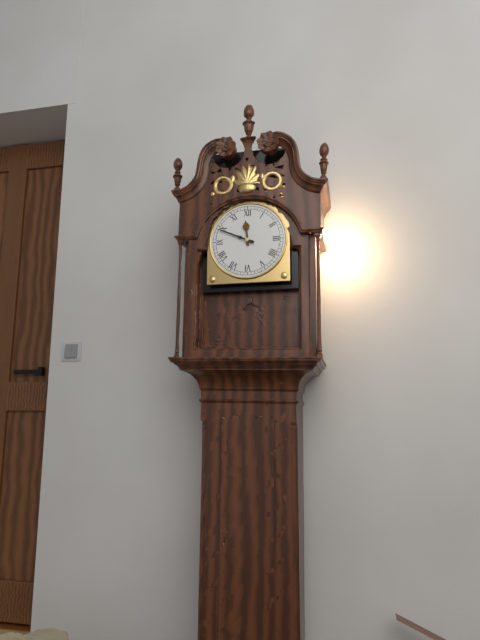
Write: 11:49
